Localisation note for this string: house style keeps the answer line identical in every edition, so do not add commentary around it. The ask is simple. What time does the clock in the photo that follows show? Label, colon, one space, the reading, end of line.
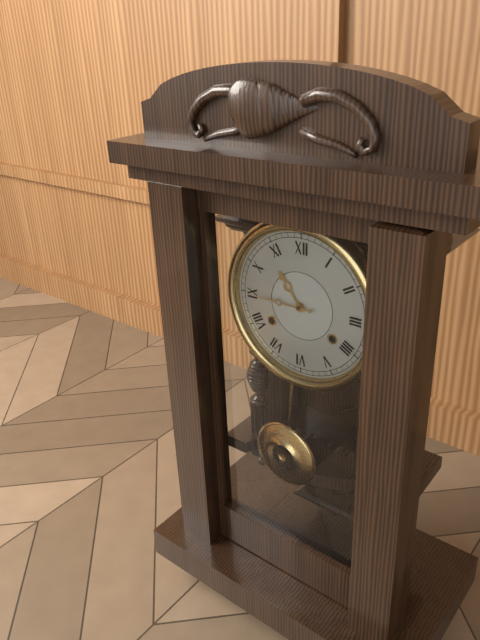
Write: 10:45
